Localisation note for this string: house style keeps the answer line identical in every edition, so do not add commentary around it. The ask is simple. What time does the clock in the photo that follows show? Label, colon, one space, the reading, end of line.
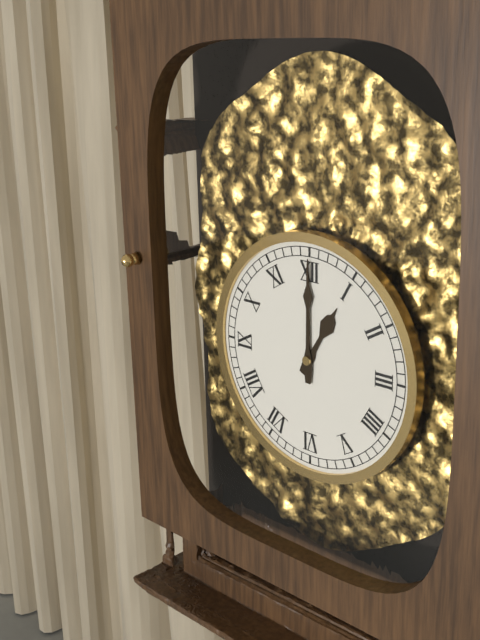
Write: 1:00
